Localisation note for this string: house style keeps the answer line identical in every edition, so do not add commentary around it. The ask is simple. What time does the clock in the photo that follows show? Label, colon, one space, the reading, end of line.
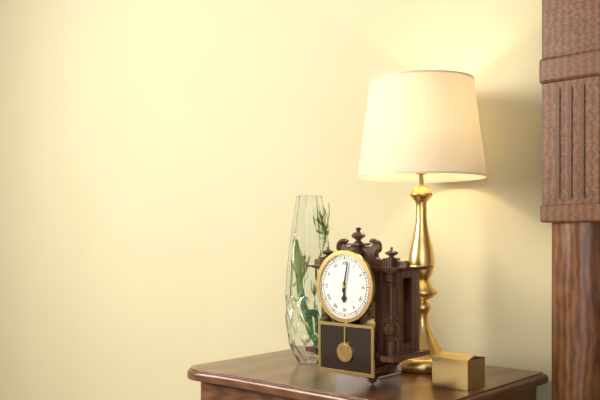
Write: 6:02
